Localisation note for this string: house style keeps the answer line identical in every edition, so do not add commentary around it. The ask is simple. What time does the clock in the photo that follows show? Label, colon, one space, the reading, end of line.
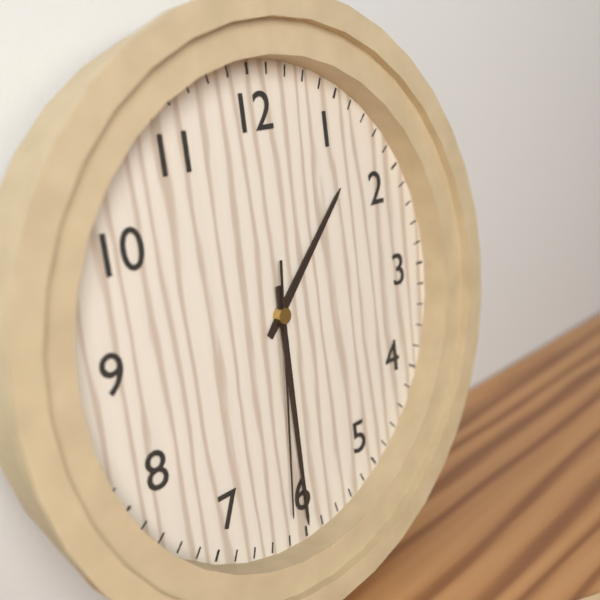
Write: 1:30:31
